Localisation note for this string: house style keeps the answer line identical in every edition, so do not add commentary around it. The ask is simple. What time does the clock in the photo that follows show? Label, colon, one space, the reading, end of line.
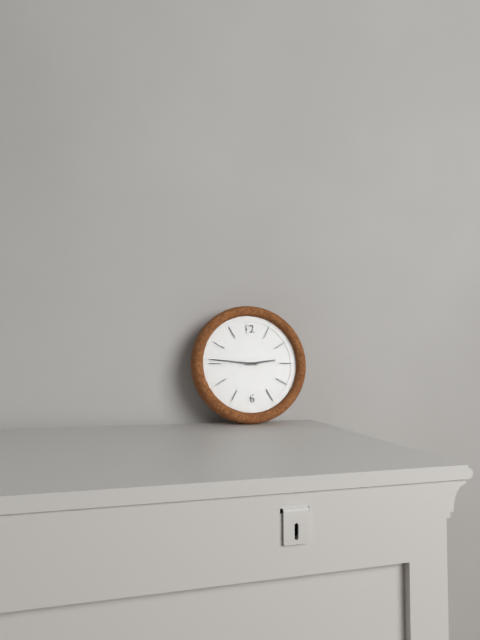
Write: 2:46
